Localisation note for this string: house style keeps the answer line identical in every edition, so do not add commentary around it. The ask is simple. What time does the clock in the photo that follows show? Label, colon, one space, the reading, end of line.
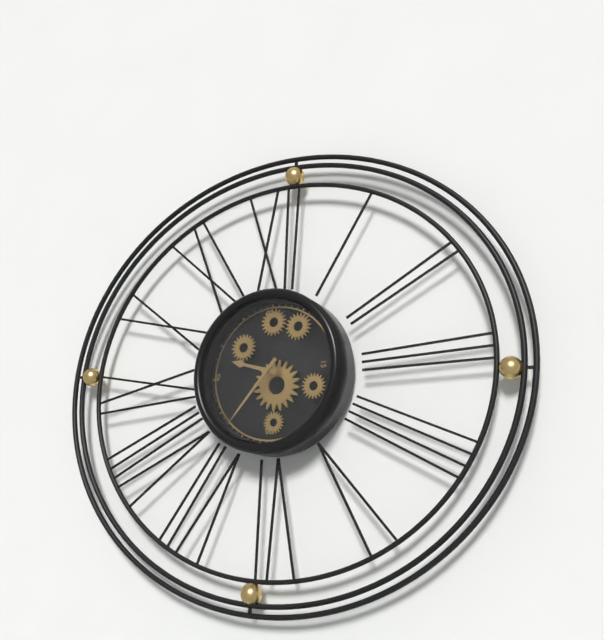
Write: 9:37
